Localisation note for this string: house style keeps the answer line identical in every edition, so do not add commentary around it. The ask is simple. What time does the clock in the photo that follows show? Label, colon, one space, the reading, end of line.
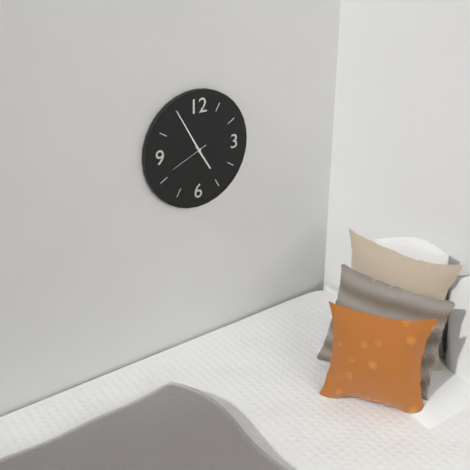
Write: 4:55
